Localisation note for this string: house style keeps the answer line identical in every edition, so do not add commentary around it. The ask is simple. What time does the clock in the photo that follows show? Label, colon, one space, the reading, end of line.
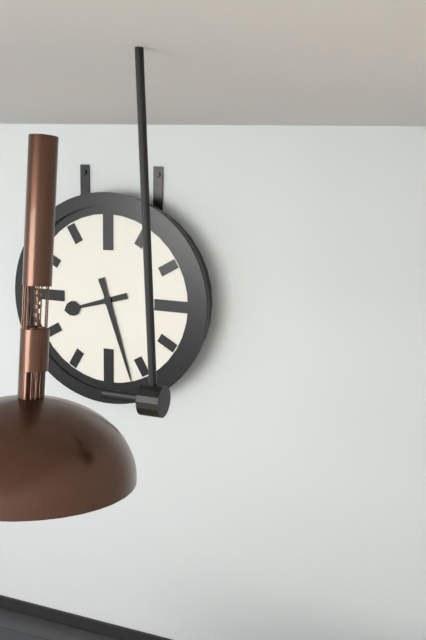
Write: 8:27
